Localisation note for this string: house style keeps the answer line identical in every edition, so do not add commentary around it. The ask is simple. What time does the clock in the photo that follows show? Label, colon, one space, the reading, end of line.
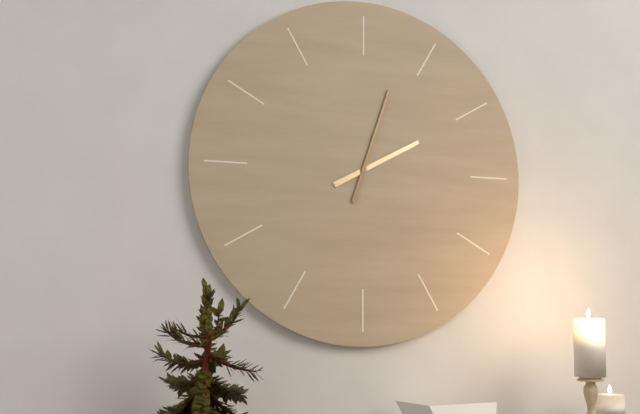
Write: 2:03
